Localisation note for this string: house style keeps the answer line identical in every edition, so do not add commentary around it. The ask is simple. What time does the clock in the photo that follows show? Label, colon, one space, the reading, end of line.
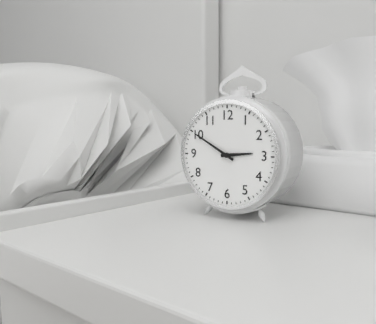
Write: 2:50
